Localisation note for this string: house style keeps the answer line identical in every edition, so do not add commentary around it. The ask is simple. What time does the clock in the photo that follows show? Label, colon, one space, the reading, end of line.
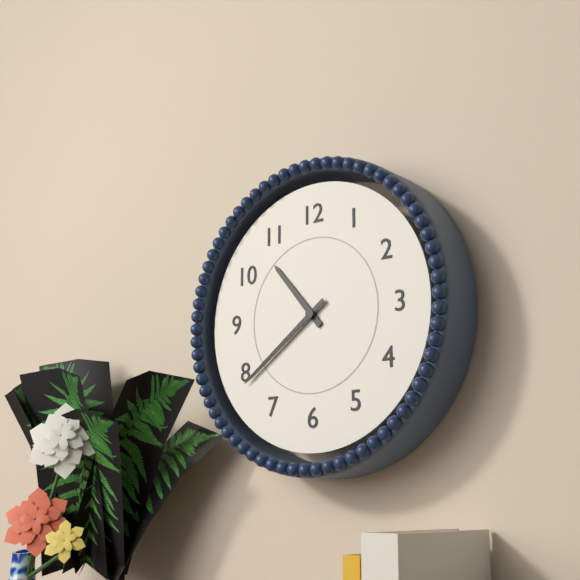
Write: 10:39
